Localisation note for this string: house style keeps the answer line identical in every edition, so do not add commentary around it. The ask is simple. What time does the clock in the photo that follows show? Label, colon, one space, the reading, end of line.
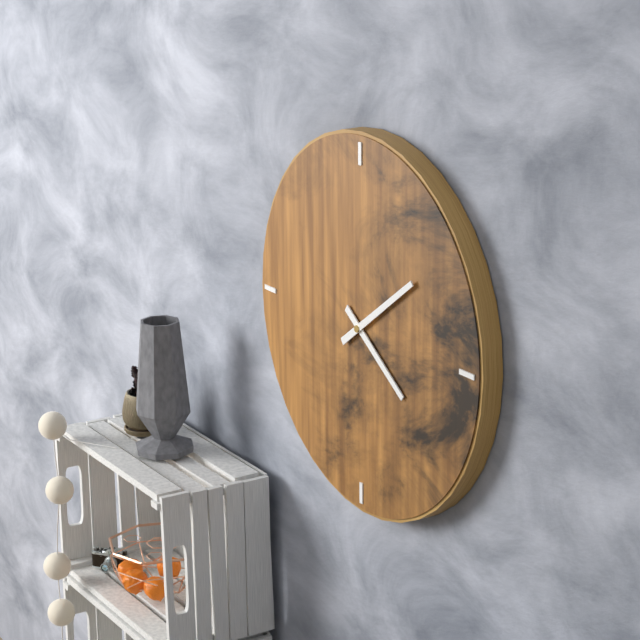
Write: 4:09
